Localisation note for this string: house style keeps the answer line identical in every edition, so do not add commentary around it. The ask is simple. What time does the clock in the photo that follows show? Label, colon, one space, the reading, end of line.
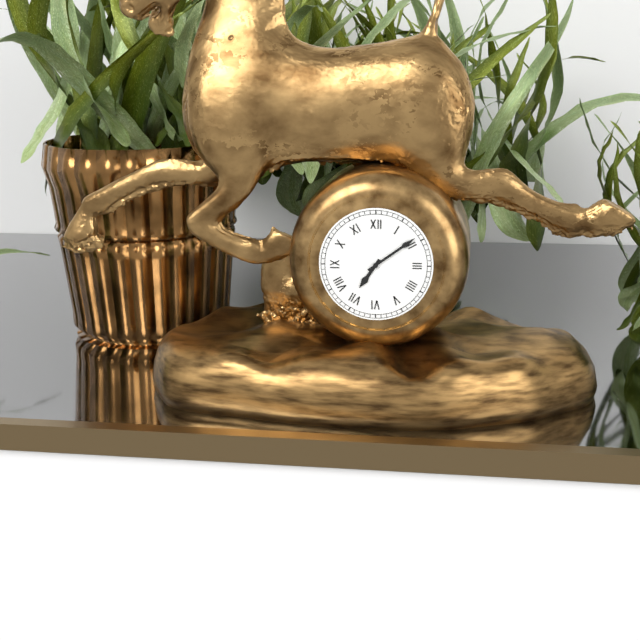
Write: 7:09
